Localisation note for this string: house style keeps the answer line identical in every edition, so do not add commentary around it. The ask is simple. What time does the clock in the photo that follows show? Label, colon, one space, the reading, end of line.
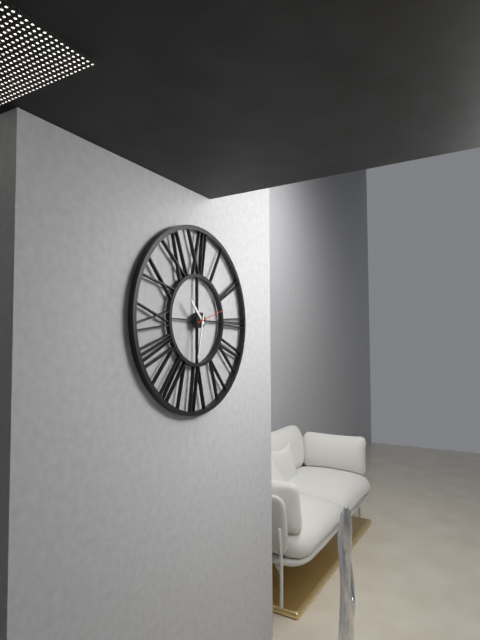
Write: 10:32
